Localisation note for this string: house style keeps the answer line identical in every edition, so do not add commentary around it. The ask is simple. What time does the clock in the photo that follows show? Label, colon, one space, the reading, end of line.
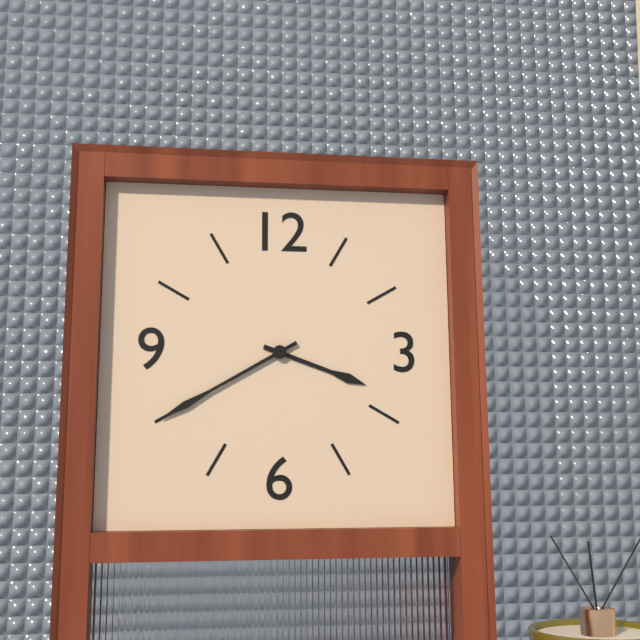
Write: 3:40
